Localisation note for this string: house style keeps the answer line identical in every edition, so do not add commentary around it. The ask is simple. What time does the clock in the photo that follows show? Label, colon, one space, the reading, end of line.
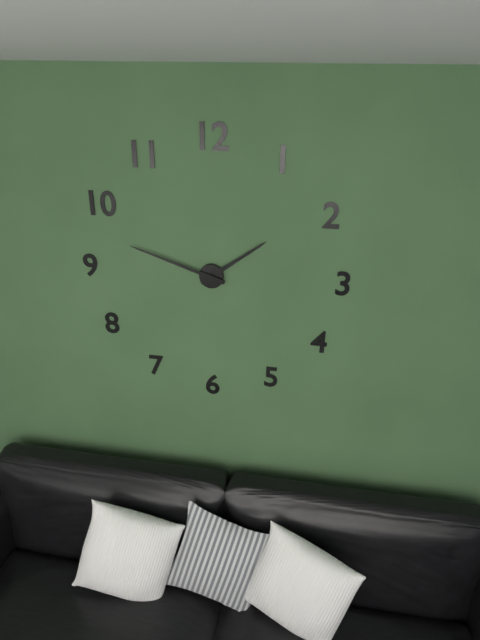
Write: 1:48
